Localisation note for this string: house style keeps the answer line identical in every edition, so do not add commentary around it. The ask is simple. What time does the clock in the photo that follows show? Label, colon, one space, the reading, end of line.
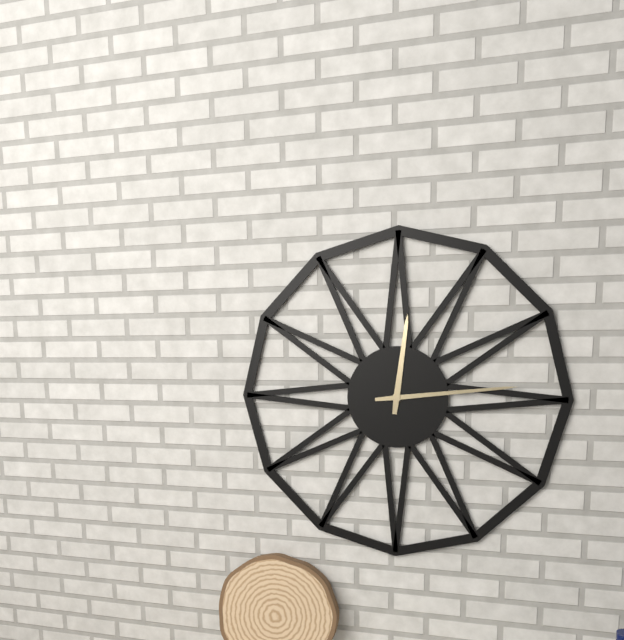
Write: 12:14
